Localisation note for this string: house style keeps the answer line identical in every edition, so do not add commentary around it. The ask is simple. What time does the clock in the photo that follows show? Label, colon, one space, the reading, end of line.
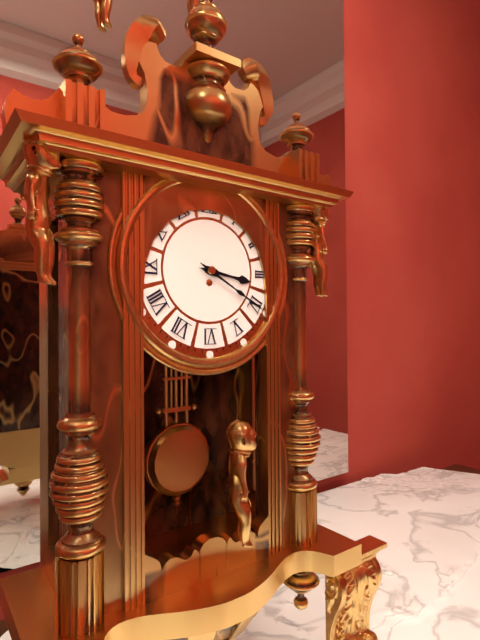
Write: 3:20
